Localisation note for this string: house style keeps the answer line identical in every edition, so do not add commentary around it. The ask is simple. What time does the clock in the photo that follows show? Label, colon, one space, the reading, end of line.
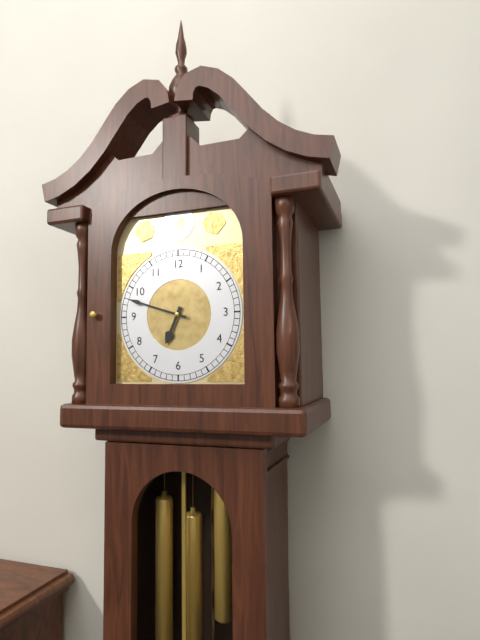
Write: 6:48
